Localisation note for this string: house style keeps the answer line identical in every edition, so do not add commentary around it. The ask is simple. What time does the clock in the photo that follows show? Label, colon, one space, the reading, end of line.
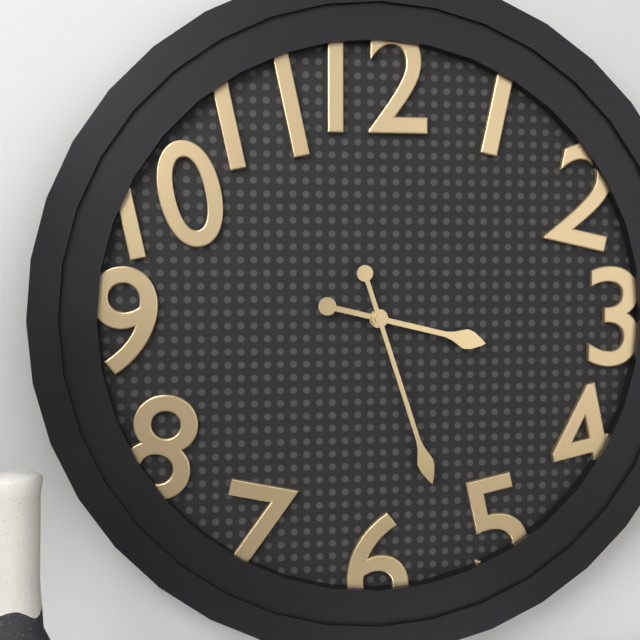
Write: 3:27
